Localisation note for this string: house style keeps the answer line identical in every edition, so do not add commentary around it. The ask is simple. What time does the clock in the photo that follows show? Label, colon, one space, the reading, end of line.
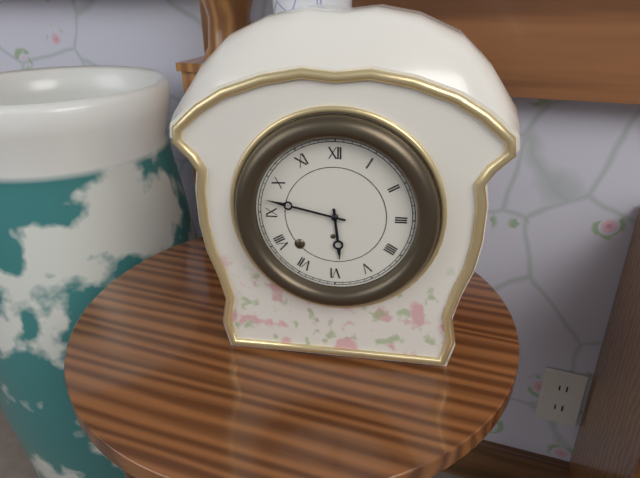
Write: 5:47
